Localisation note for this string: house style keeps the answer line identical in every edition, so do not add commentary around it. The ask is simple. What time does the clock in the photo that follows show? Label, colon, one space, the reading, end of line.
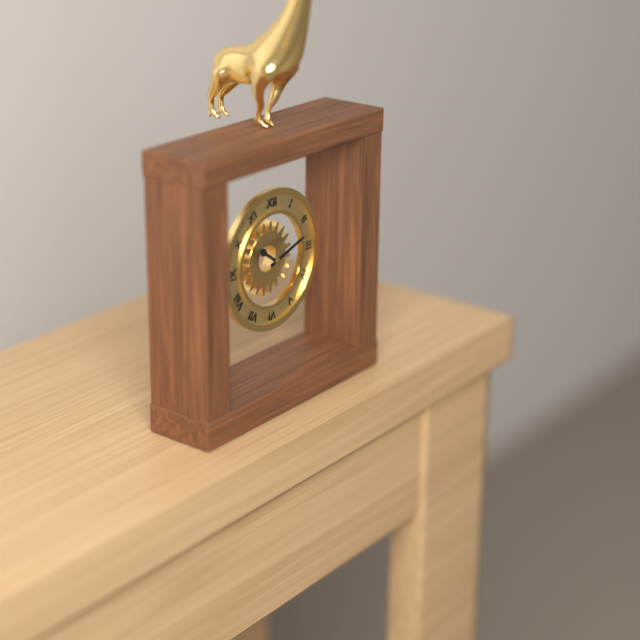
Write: 10:12
